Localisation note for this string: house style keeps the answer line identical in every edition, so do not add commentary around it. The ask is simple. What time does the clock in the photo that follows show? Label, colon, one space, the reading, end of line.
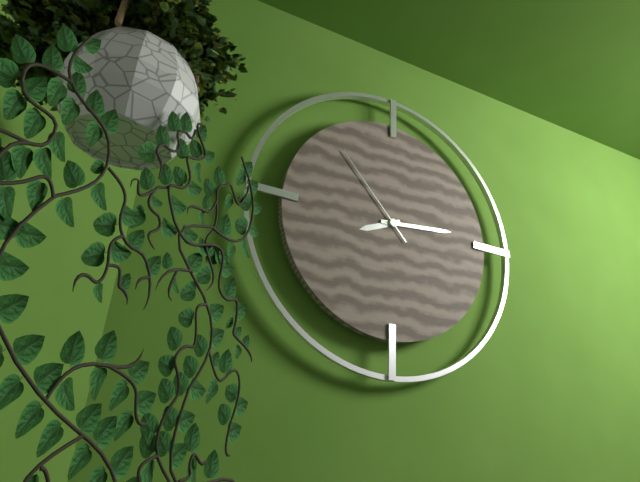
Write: 8:14:53
